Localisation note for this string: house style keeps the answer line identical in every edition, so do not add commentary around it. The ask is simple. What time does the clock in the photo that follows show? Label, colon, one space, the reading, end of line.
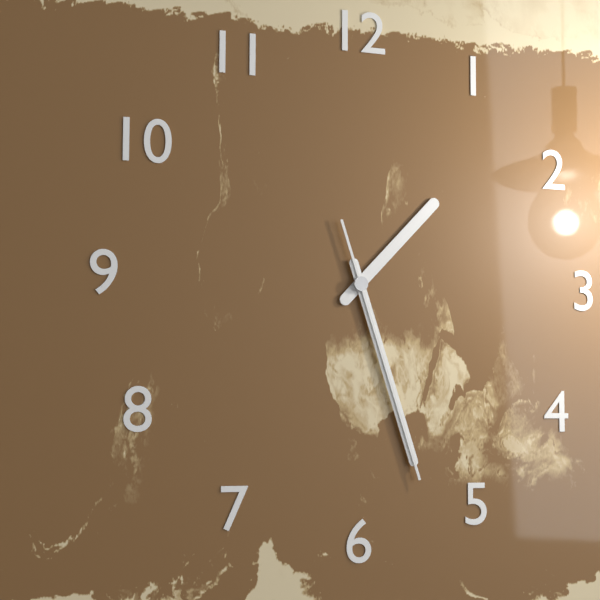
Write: 1:27:27
